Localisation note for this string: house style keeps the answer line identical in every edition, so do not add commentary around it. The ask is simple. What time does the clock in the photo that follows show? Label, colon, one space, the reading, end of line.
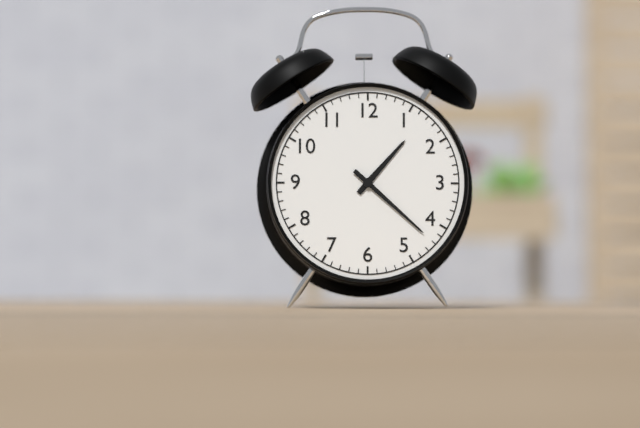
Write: 1:22
